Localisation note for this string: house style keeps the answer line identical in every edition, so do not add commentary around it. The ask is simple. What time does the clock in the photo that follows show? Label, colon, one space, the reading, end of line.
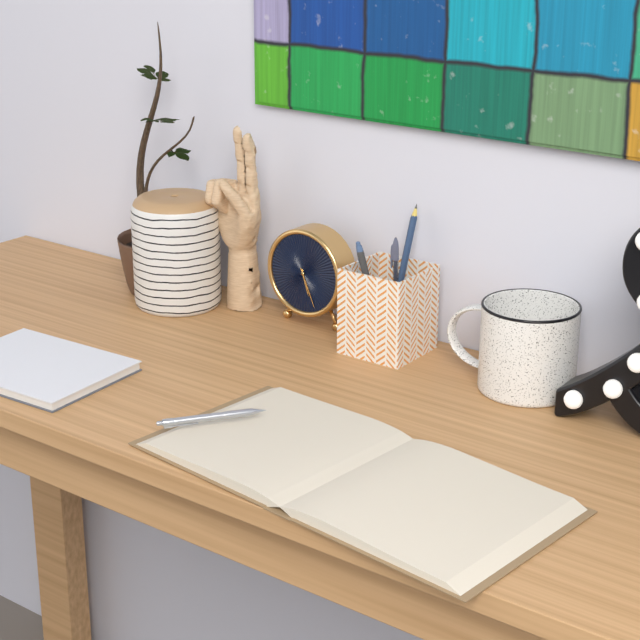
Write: 5:26
